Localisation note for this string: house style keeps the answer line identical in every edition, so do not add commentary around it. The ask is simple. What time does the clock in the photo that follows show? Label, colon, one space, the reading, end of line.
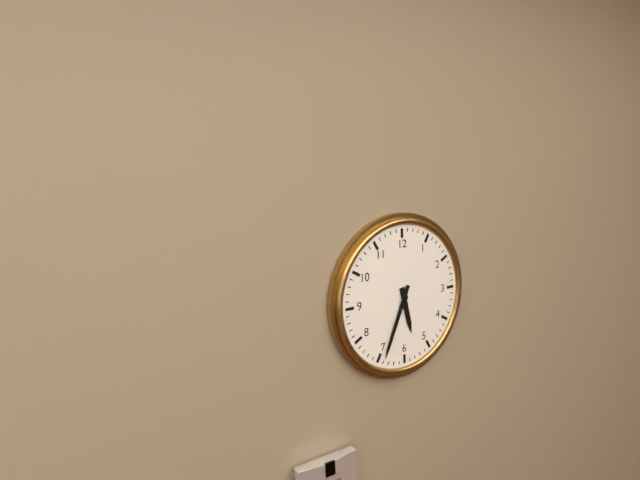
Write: 5:34
